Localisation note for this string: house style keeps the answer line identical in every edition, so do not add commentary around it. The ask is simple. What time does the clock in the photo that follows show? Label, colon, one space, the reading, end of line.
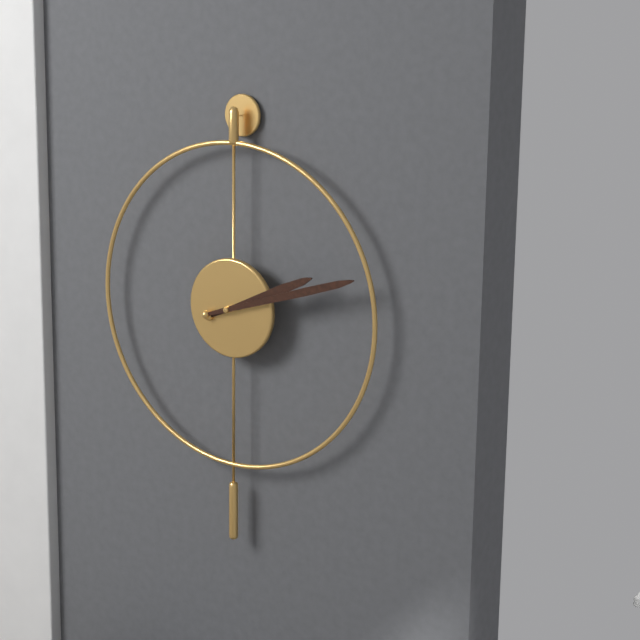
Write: 2:12
